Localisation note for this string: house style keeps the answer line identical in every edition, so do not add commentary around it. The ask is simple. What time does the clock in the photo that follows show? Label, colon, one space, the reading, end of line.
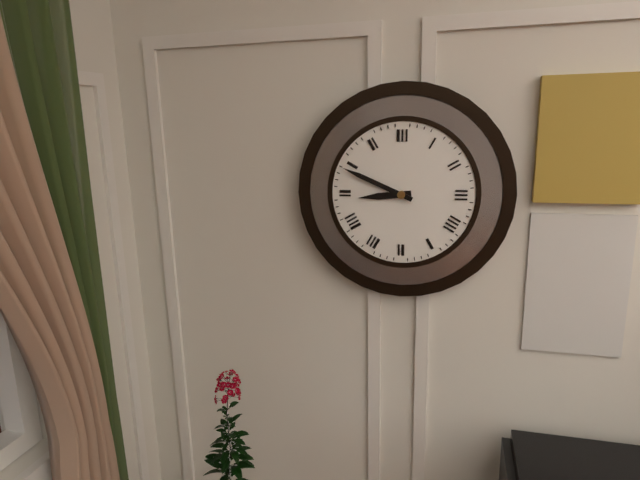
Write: 8:49
